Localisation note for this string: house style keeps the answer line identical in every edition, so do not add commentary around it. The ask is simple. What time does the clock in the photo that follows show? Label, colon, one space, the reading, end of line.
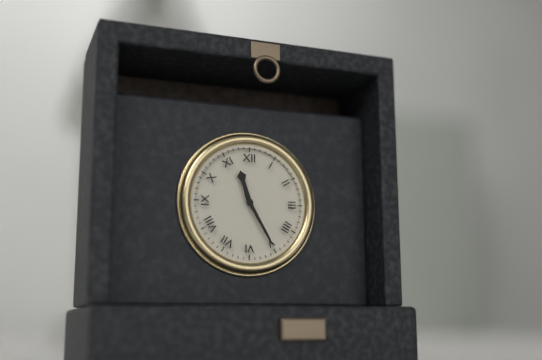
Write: 11:25
